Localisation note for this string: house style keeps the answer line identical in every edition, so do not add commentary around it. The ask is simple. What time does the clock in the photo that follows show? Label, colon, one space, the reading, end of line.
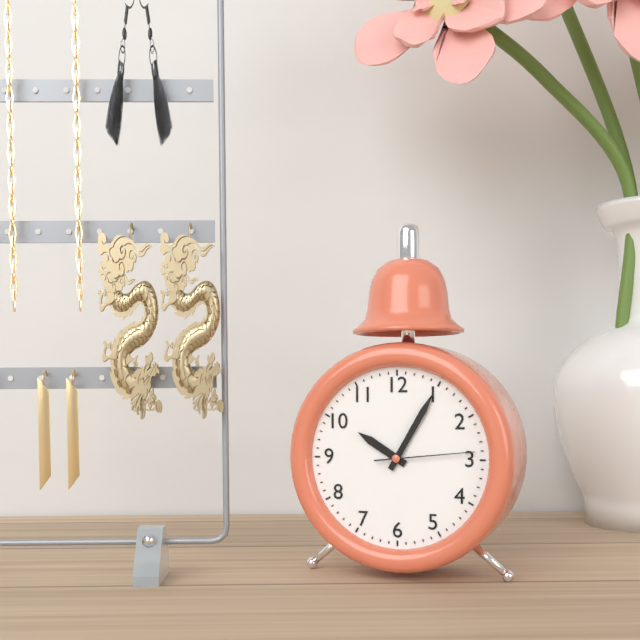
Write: 10:05:14
